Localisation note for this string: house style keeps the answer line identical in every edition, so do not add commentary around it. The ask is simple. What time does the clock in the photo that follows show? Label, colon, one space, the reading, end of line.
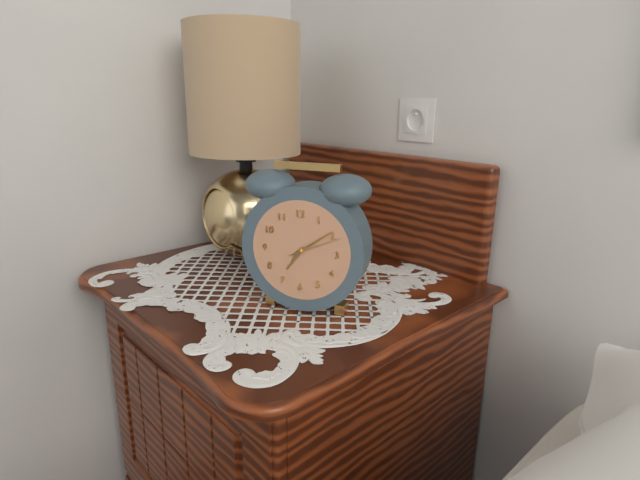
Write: 7:09:11
